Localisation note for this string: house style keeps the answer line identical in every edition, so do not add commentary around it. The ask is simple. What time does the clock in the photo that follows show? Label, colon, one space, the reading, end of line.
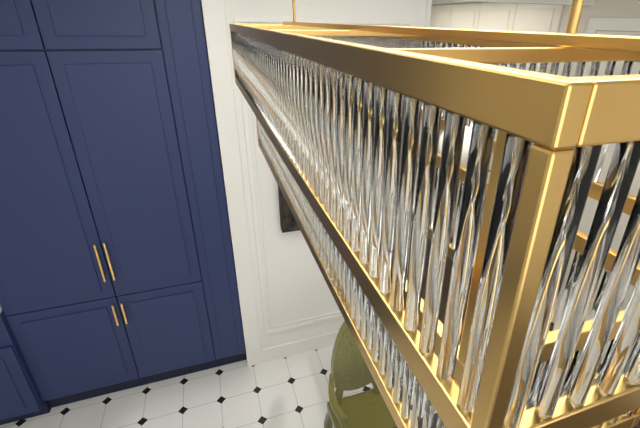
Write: 9:57
